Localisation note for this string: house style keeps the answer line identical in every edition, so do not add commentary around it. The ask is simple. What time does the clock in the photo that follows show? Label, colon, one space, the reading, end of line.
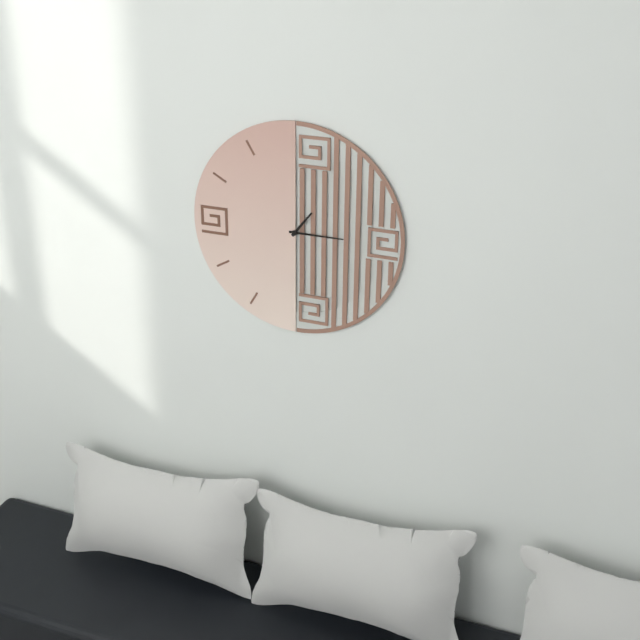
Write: 1:15
